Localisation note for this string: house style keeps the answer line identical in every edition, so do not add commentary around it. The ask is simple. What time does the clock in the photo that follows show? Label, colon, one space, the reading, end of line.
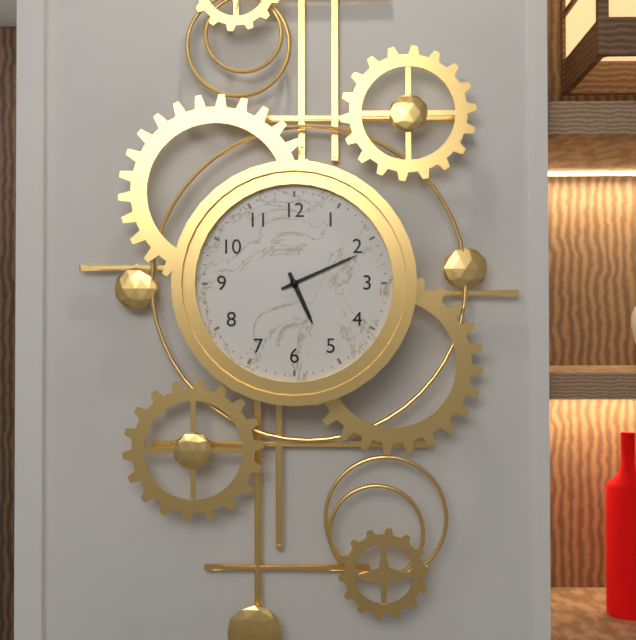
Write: 5:11
